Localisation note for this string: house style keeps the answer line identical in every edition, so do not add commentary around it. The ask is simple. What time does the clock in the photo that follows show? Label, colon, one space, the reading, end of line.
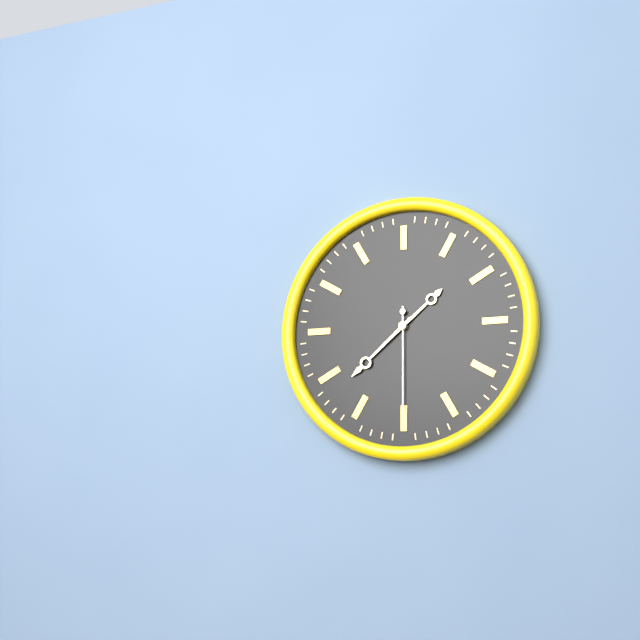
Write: 1:38:30
